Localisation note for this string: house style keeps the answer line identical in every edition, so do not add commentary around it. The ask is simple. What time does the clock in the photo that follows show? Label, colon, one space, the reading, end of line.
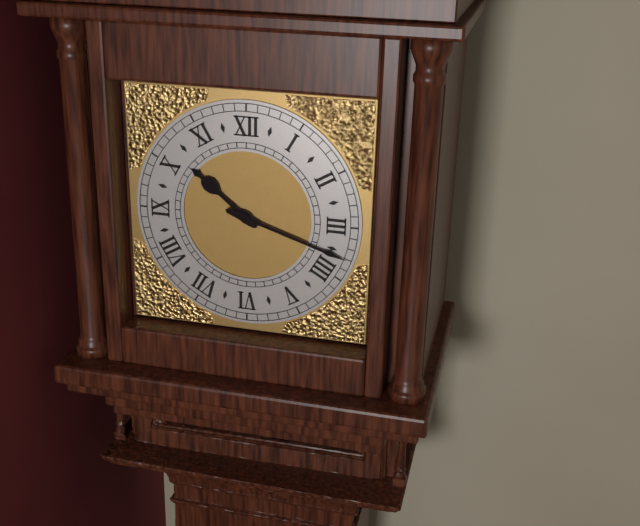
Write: 10:18
